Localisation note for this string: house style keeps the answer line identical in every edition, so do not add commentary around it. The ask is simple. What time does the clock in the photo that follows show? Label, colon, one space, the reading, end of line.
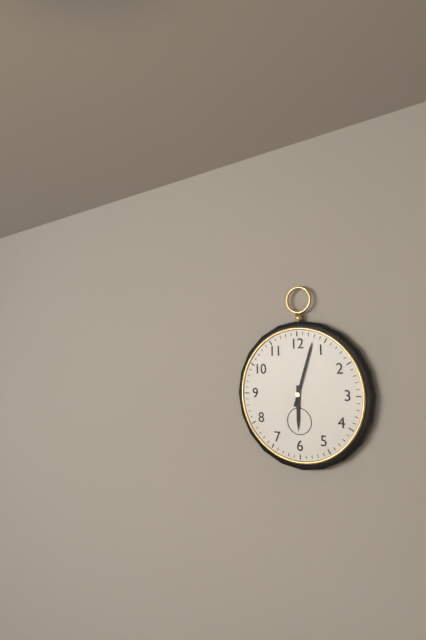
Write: 6:03
